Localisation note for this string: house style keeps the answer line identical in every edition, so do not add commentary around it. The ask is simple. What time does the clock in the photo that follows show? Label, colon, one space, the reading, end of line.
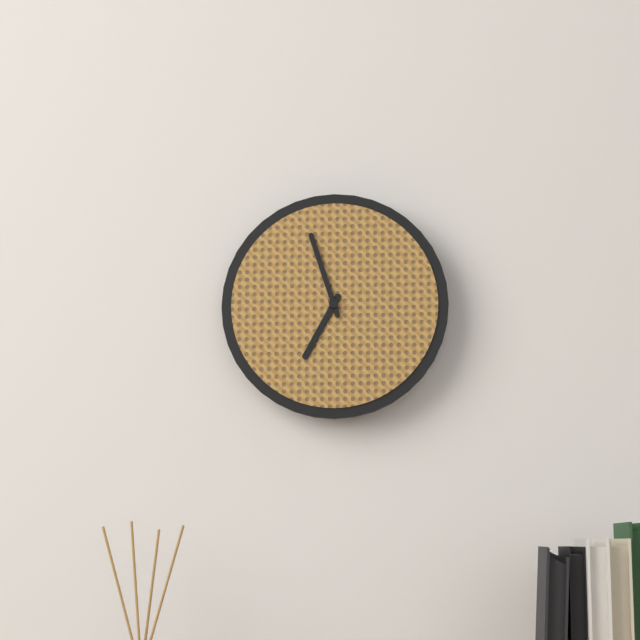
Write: 6:57
